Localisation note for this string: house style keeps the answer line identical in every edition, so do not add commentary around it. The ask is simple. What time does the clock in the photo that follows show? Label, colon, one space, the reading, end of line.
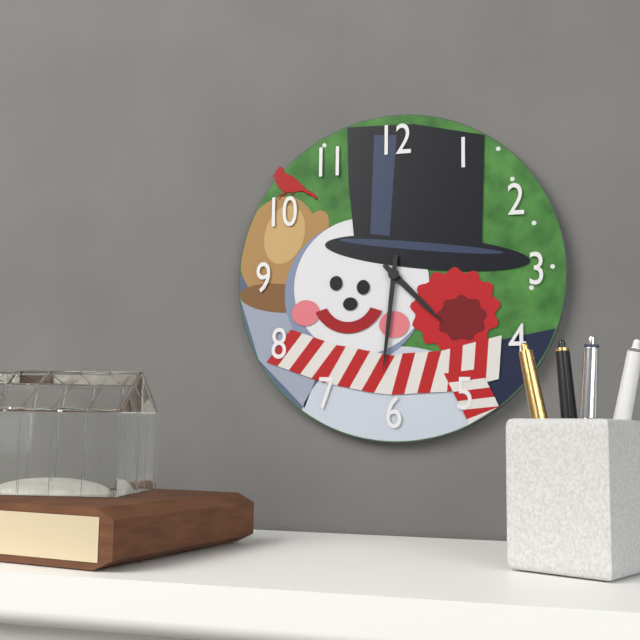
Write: 4:31
